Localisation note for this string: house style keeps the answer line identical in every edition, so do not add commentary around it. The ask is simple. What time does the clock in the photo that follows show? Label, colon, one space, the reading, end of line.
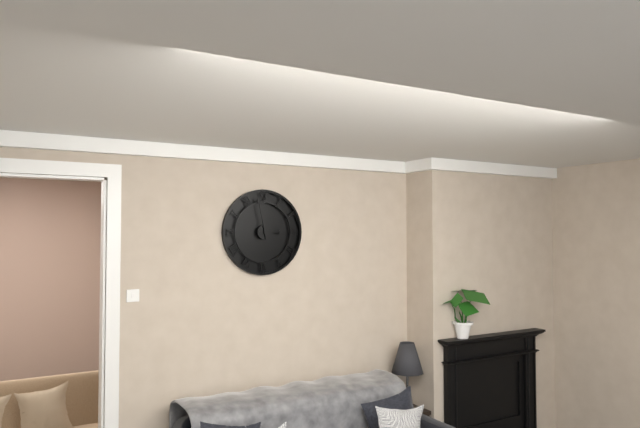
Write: 2:58
